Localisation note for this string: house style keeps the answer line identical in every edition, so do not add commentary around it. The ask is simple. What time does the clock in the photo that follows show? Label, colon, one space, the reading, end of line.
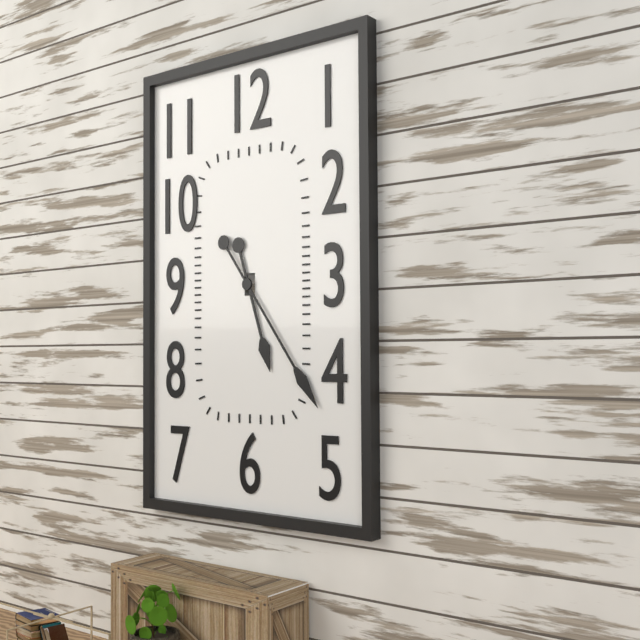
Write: 5:24
